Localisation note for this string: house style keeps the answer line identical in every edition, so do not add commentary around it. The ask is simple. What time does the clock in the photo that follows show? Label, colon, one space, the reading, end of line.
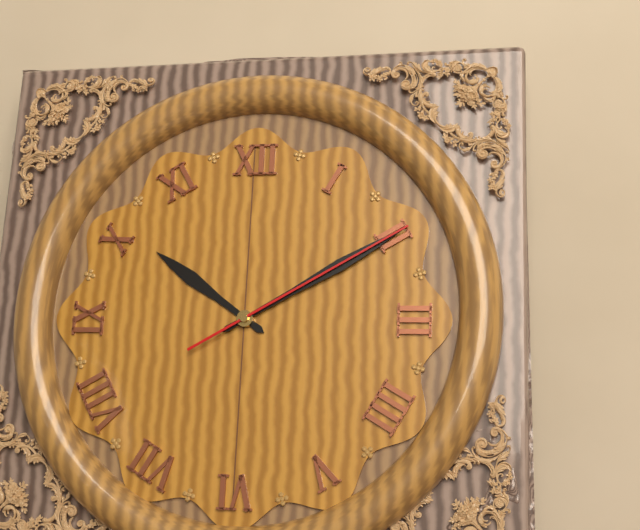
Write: 10:10:10
